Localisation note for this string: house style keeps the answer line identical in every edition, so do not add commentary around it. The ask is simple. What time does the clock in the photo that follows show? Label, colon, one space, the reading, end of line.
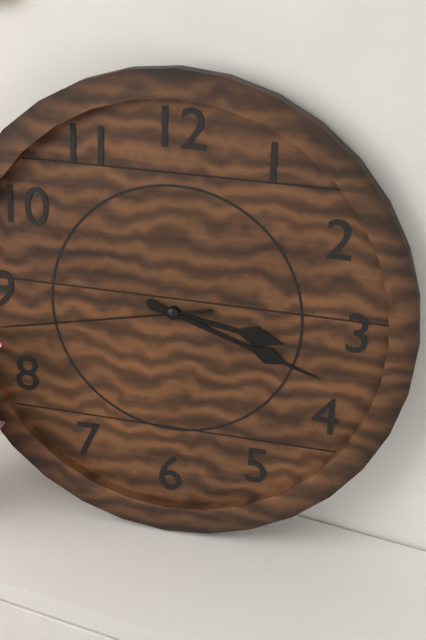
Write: 3:18
